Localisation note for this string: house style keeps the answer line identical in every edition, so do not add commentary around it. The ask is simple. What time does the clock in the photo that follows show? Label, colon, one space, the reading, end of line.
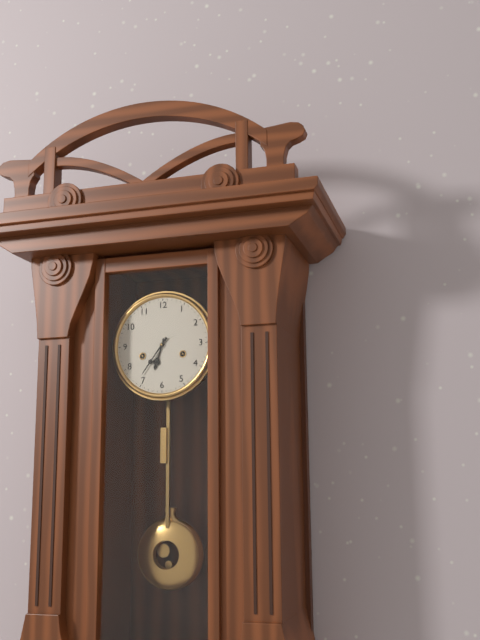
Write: 6:36
